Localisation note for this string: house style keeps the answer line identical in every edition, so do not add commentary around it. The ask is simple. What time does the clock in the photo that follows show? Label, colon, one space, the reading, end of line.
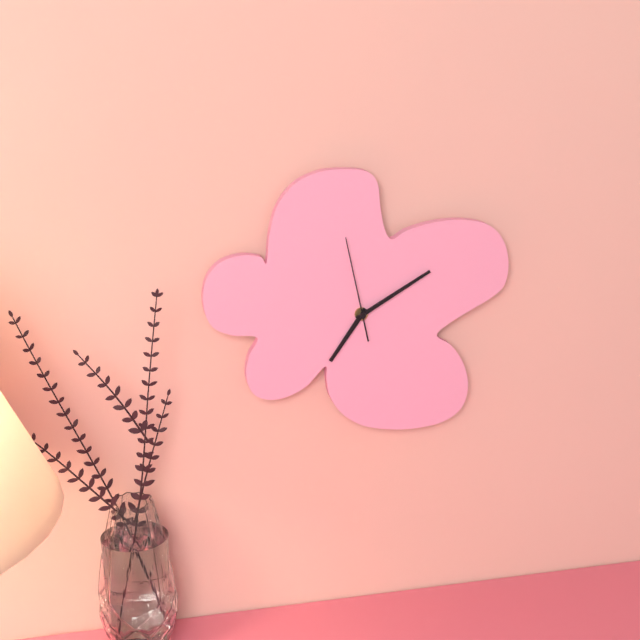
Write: 7:10:58
